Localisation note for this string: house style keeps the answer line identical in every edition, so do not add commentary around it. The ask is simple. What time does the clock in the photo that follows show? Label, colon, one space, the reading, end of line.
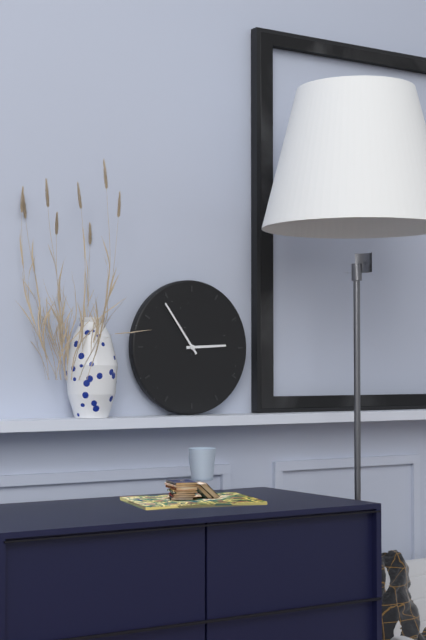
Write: 2:54
